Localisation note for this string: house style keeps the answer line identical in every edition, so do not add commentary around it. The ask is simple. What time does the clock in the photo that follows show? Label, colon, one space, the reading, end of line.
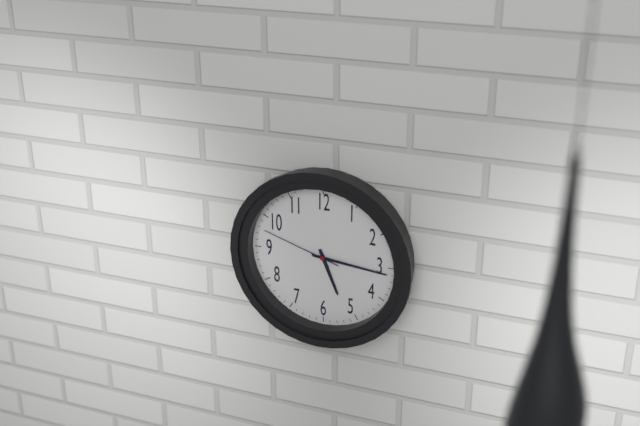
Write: 5:16:48
